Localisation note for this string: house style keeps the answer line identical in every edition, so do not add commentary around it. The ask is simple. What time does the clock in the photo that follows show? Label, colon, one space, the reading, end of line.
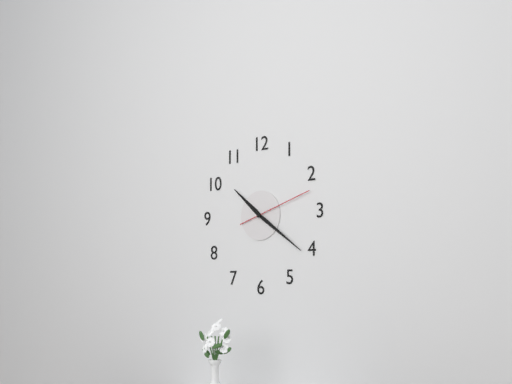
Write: 10:21:12
